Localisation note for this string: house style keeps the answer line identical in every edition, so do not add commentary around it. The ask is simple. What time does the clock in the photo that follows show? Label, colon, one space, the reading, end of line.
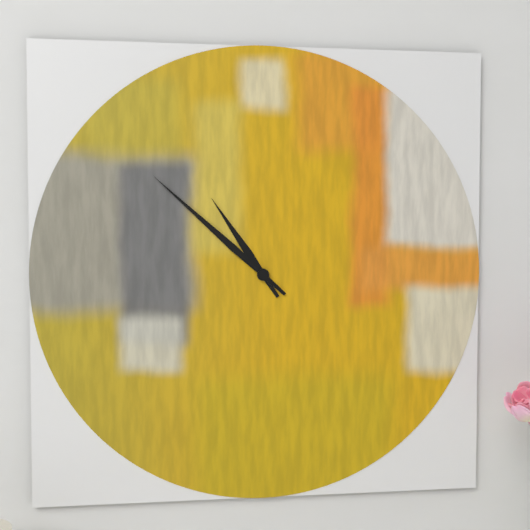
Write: 10:52
